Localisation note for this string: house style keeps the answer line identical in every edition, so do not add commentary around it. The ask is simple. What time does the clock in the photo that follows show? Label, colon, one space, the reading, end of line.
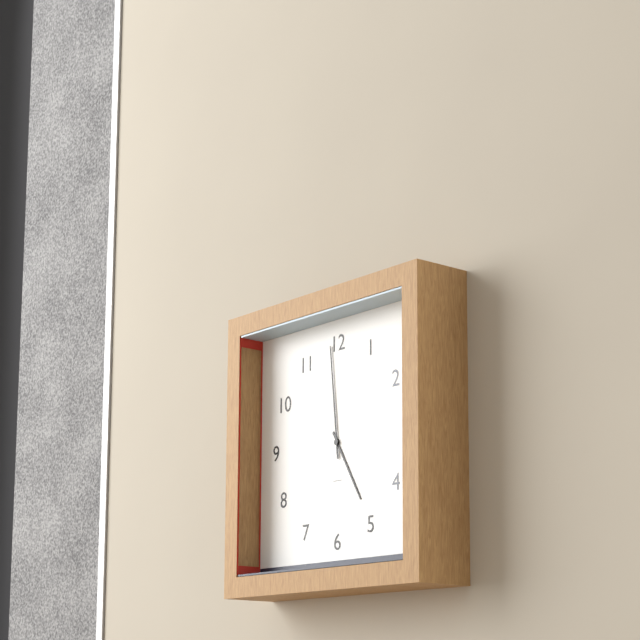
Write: 4:59
